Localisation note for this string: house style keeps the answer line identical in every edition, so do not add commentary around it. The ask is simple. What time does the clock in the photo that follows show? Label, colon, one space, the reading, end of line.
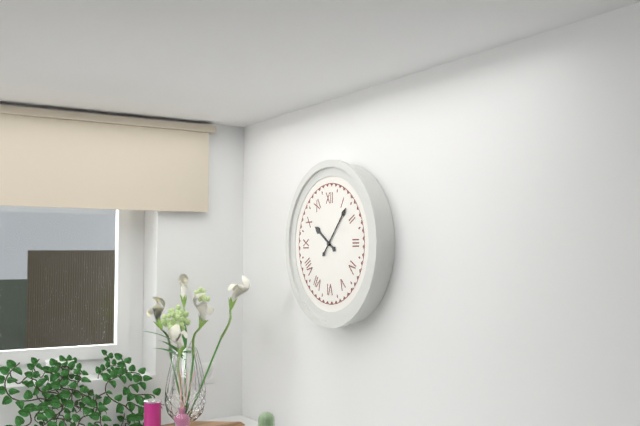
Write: 10:07
